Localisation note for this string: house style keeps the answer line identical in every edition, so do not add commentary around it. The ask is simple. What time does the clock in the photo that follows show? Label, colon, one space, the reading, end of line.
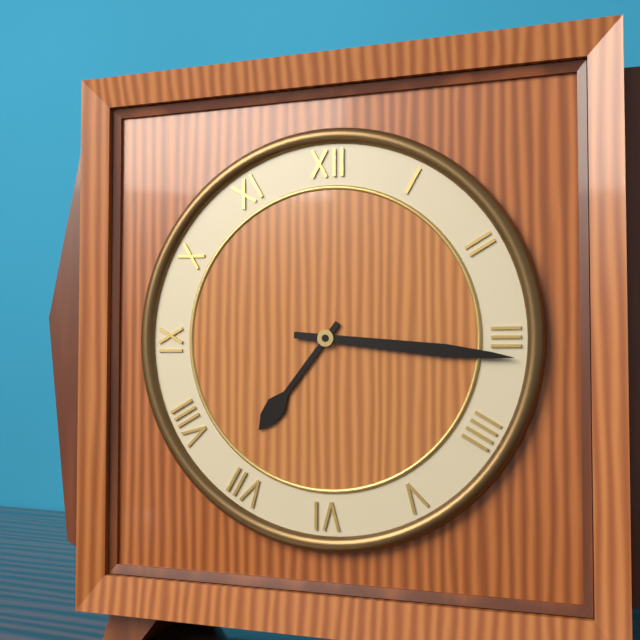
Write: 7:16
